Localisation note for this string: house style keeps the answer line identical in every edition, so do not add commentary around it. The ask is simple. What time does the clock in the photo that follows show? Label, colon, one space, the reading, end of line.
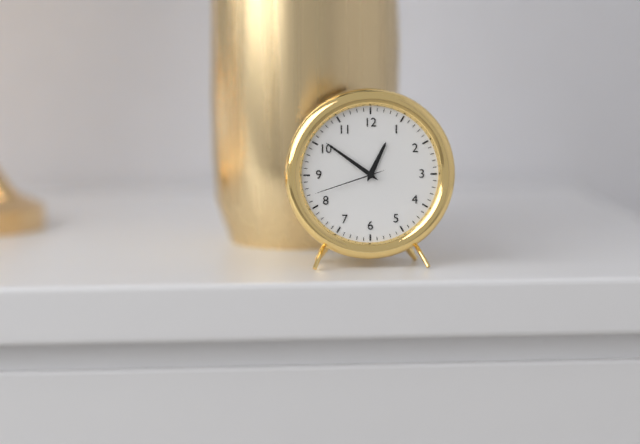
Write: 12:51:42
